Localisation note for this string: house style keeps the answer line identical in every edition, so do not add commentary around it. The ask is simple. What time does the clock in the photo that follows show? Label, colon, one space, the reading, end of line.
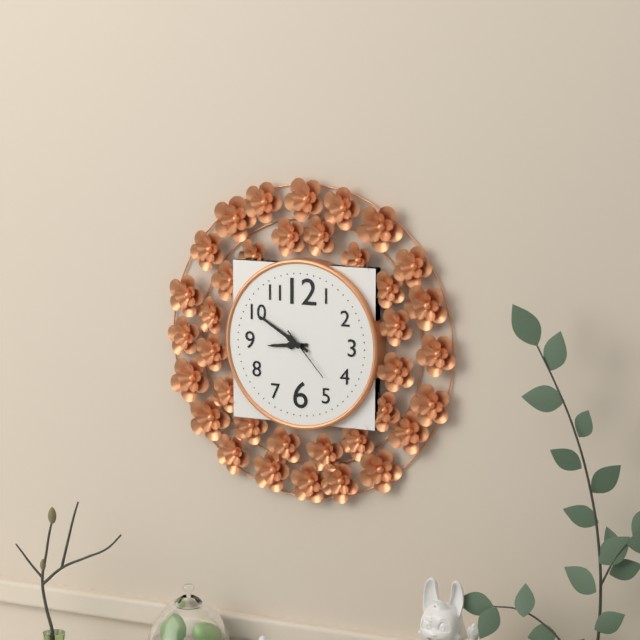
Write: 8:50:23
